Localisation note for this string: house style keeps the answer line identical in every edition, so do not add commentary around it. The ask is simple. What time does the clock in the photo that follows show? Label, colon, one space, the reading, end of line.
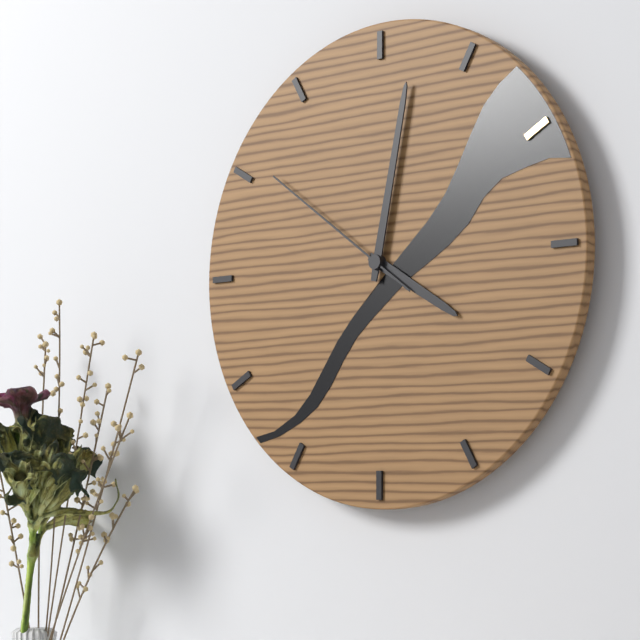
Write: 4:02:51
